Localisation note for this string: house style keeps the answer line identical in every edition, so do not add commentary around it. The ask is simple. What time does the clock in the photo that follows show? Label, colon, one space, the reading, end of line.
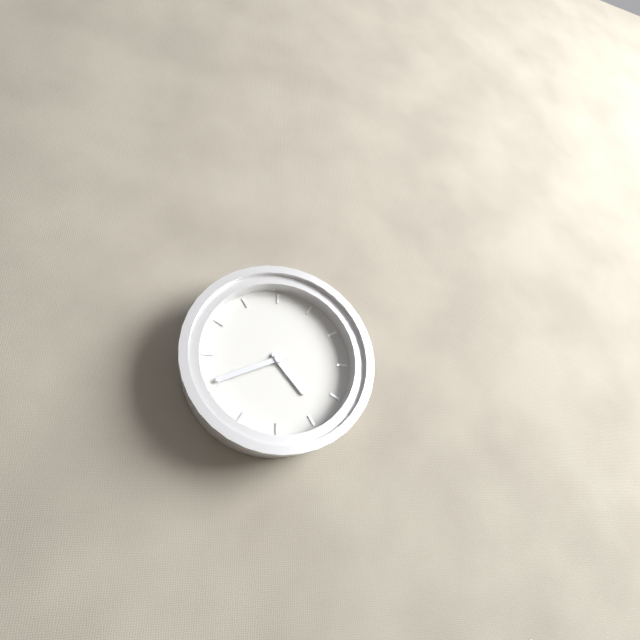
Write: 4:41
